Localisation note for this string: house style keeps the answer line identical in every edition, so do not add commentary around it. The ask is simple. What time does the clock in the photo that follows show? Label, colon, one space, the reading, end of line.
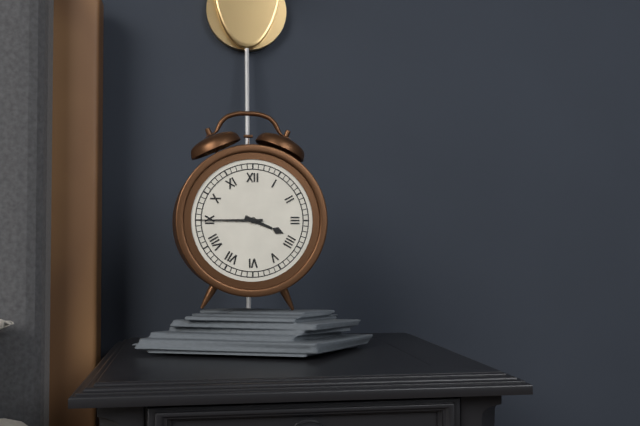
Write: 3:45
